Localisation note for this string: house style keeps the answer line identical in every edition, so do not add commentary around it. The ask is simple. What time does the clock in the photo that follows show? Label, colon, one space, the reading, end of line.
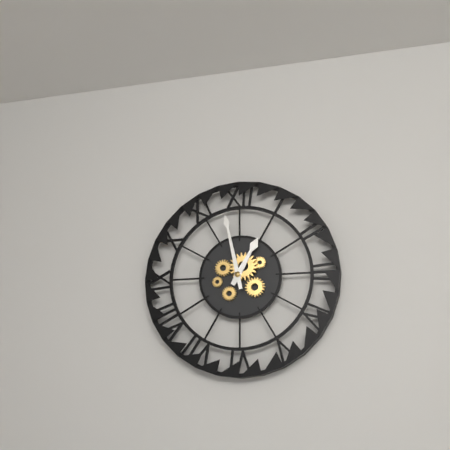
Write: 12:58
